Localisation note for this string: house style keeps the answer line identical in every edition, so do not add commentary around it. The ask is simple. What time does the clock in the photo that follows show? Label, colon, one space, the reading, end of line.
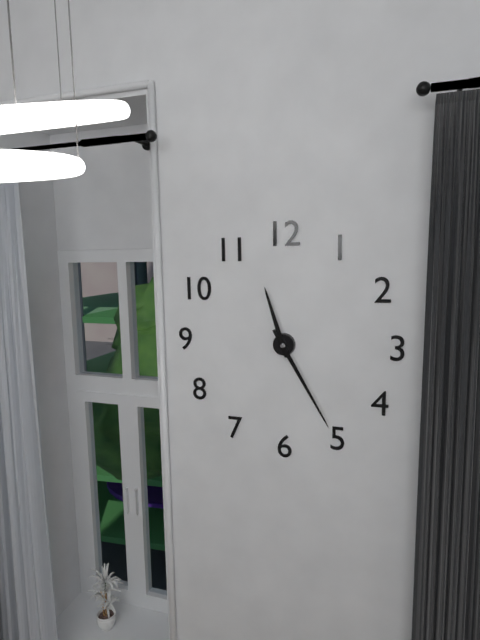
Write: 11:25
